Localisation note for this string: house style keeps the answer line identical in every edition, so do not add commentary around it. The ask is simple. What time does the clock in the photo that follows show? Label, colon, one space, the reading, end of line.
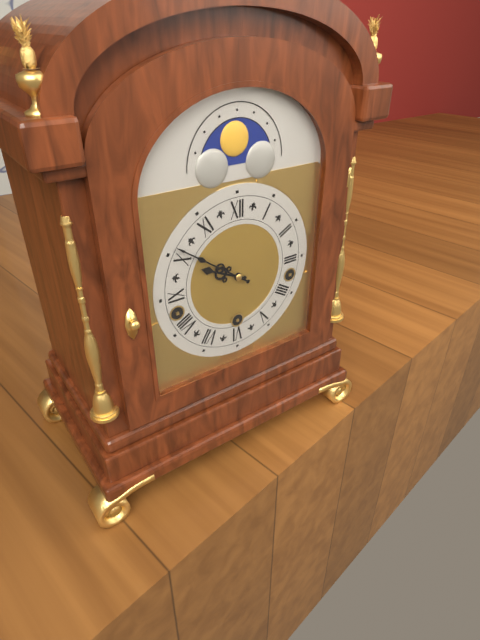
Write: 9:51
